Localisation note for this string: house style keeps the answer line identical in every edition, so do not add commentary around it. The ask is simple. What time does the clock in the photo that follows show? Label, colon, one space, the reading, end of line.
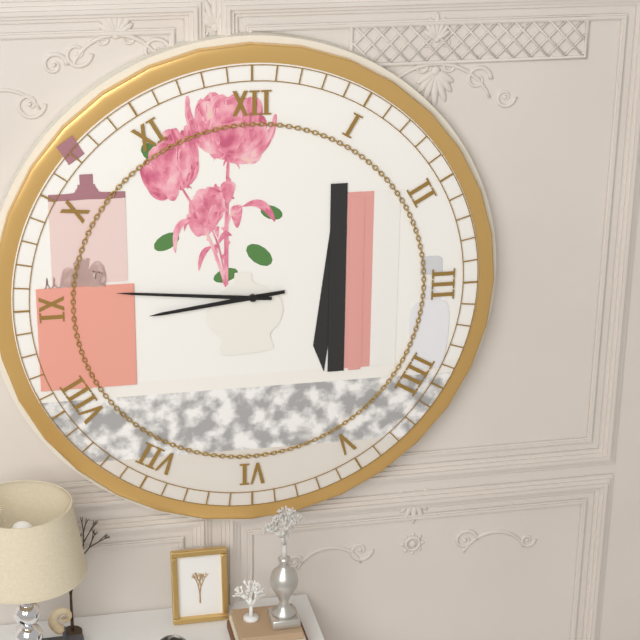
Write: 8:46
